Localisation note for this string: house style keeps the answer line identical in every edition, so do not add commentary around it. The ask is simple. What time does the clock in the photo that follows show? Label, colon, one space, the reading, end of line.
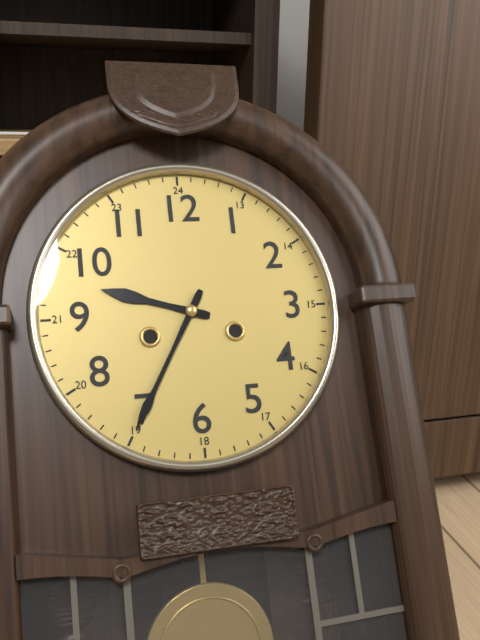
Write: 9:35
